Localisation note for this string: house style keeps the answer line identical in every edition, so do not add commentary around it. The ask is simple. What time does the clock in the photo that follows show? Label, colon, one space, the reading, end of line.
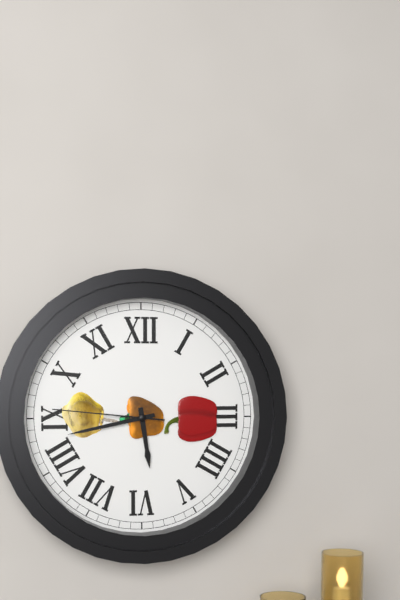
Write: 5:43:46
